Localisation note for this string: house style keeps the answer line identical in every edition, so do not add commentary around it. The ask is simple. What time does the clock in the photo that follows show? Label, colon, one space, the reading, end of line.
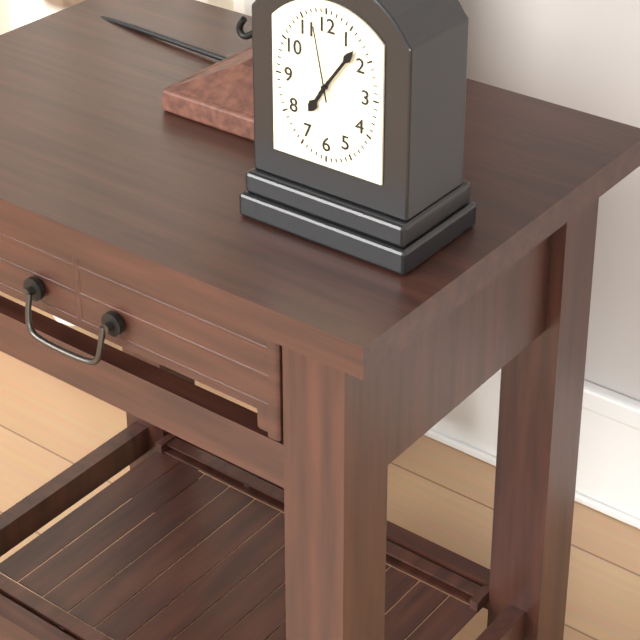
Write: 7:06:58
